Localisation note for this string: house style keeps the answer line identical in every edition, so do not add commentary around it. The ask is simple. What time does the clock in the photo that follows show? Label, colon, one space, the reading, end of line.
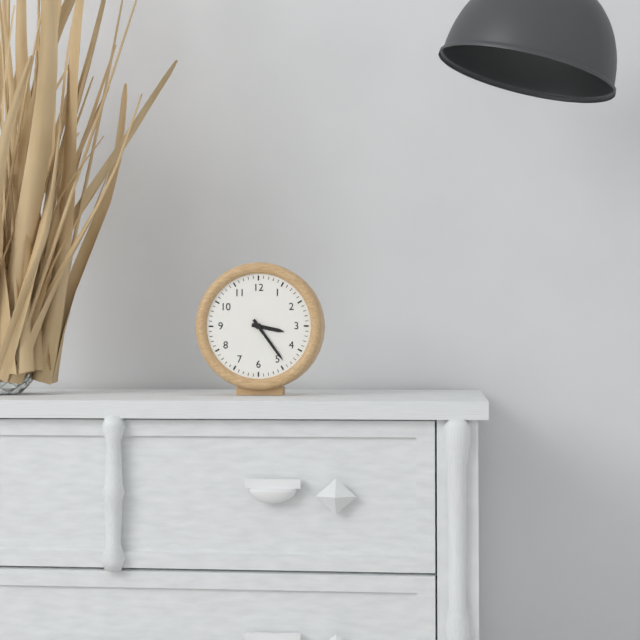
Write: 3:24
